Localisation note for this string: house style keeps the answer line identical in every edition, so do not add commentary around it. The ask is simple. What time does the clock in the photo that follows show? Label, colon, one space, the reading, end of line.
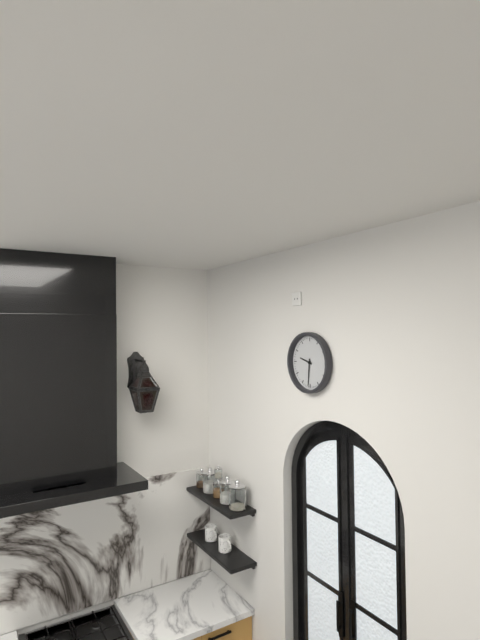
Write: 9:31
